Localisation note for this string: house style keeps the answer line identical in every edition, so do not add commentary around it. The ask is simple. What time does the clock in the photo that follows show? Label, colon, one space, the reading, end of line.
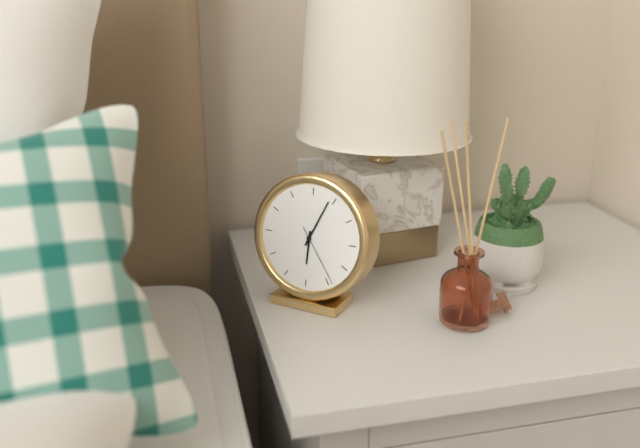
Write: 6:04:24
